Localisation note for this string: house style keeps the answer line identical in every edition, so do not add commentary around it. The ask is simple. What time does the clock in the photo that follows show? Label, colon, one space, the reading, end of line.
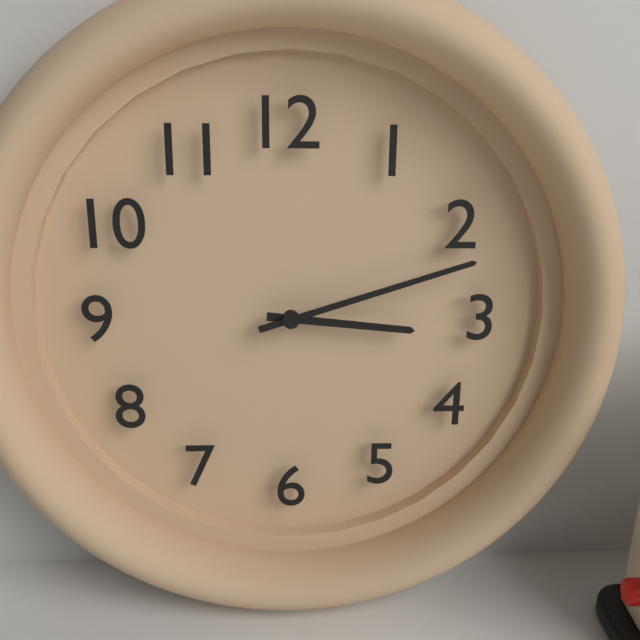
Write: 3:12
